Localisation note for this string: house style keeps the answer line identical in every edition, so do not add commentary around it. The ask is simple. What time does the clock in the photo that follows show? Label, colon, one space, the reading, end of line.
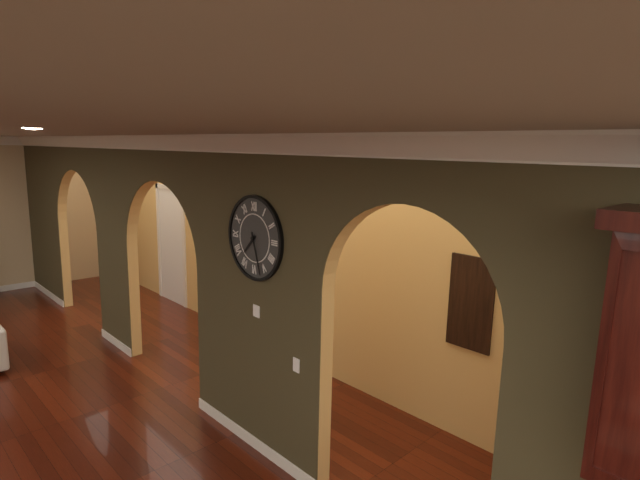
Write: 7:27
